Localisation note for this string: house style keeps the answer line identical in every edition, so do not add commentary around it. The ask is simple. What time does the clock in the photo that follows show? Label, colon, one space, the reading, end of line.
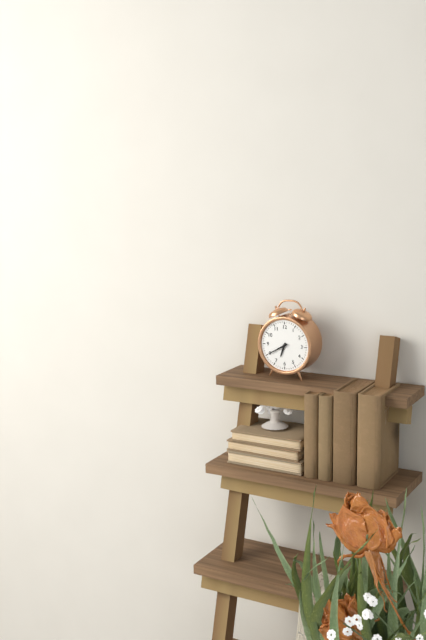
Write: 6:40
